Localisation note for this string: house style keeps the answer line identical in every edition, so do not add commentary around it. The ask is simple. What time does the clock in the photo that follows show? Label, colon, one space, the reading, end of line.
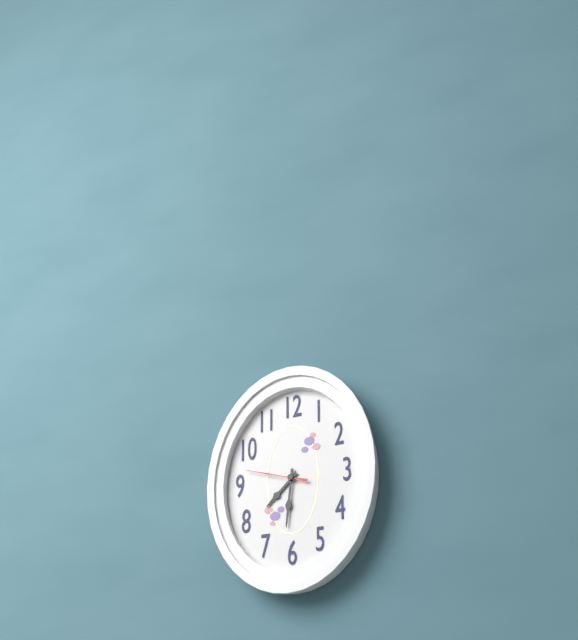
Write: 7:31:48
